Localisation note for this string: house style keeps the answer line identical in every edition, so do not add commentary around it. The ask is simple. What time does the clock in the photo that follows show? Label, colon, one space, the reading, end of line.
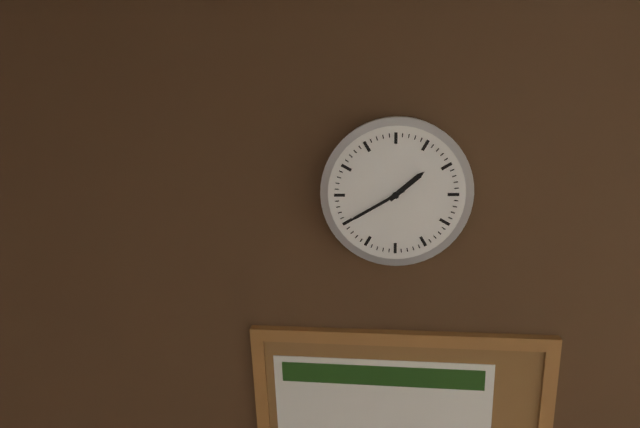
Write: 1:40
